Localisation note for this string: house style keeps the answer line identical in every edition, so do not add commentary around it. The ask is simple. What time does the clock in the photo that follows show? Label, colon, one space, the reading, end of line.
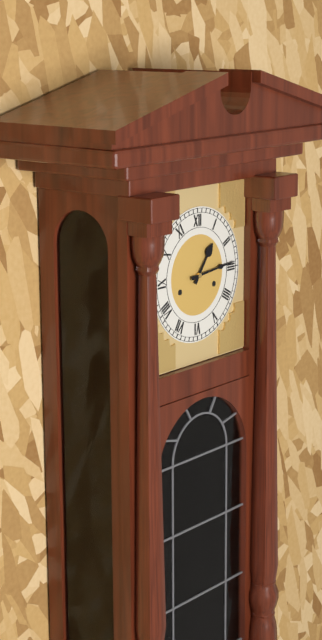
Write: 1:14
